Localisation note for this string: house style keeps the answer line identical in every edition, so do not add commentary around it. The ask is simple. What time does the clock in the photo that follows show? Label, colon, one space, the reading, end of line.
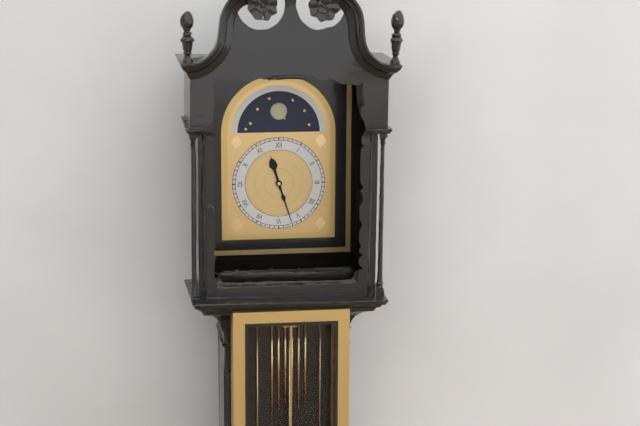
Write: 11:27
